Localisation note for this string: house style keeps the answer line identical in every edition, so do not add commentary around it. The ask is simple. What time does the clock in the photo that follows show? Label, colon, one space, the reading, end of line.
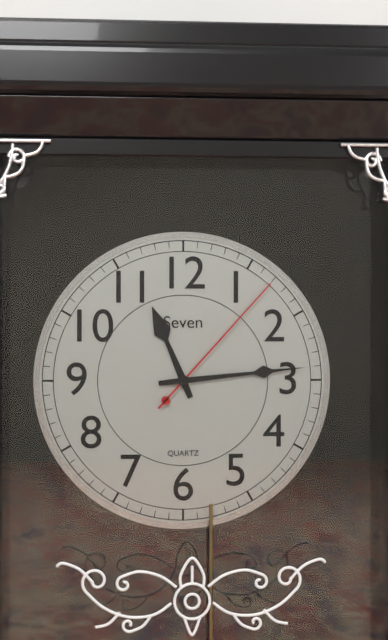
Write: 11:14:07
